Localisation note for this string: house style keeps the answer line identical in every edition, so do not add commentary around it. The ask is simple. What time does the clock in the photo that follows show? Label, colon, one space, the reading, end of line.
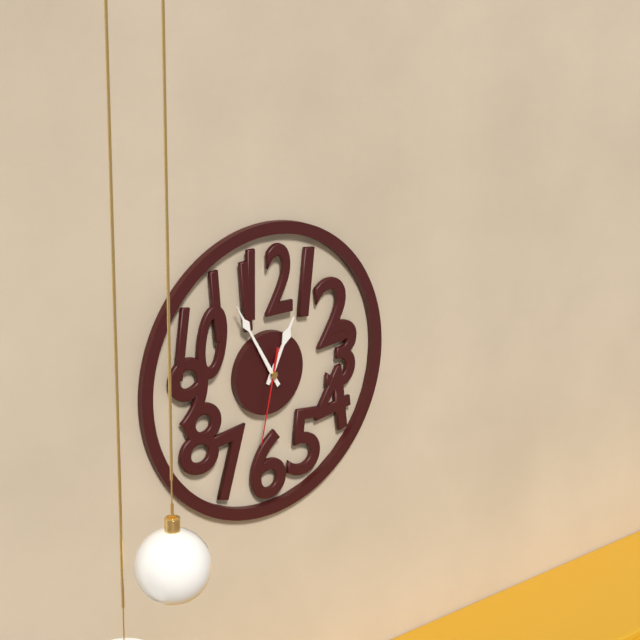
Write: 12:55:32
